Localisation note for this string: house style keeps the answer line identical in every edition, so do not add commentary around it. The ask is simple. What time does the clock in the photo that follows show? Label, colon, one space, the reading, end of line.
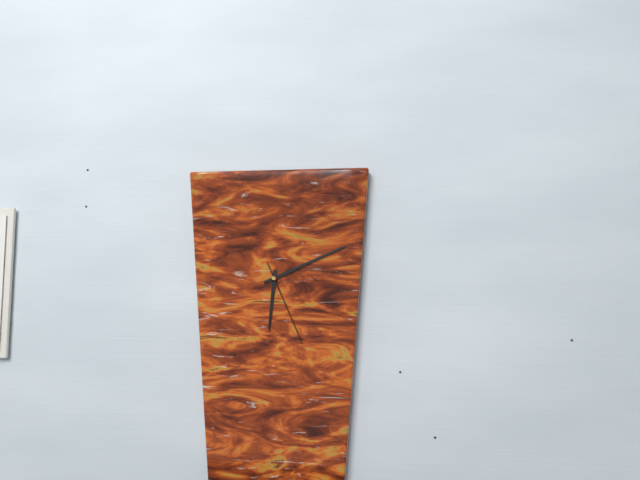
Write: 6:11:26
